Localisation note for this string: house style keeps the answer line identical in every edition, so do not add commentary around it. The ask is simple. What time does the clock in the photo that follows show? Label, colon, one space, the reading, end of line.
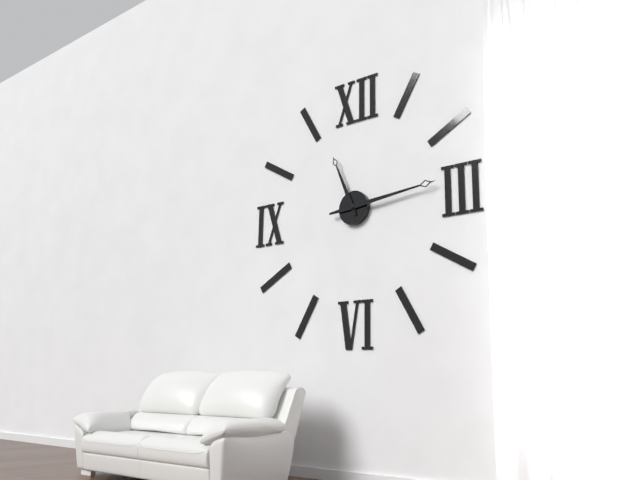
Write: 11:14
